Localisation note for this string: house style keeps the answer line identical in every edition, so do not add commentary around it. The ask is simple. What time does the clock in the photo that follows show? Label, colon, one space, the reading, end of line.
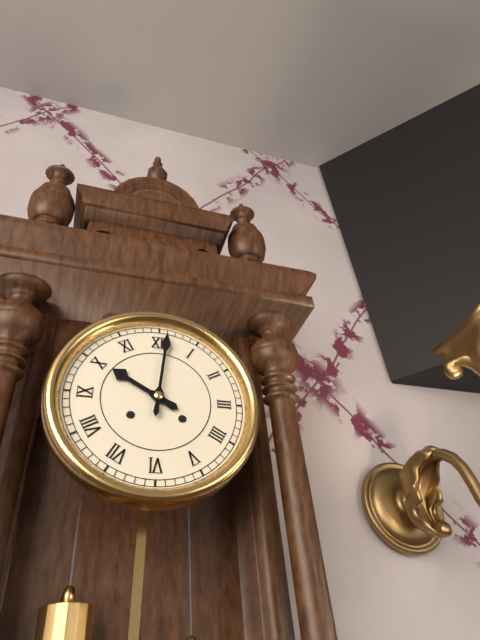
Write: 10:01
